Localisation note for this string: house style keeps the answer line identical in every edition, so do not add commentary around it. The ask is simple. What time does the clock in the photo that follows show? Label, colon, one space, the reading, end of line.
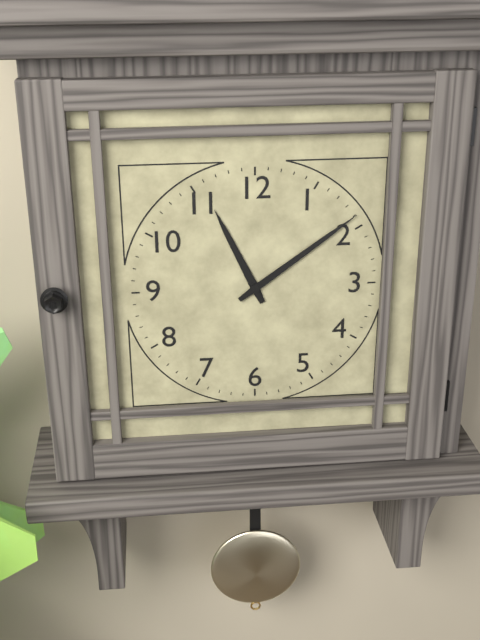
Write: 11:09
